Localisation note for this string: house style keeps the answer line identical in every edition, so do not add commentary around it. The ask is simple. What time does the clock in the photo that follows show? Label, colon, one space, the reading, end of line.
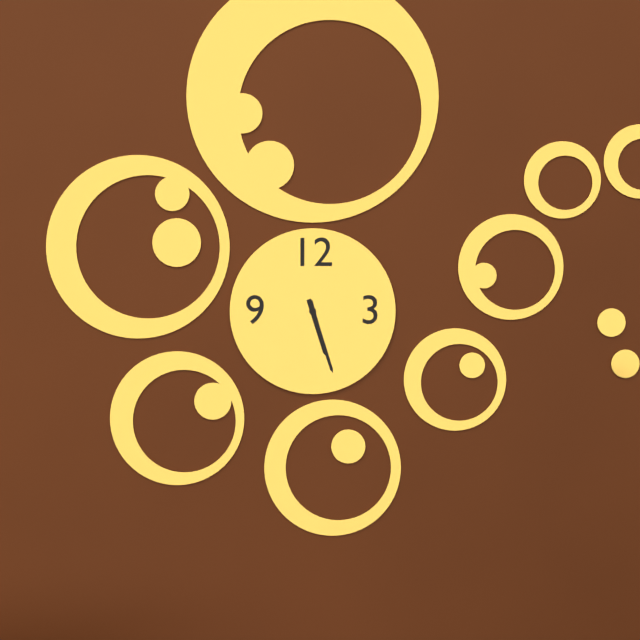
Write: 5:27
